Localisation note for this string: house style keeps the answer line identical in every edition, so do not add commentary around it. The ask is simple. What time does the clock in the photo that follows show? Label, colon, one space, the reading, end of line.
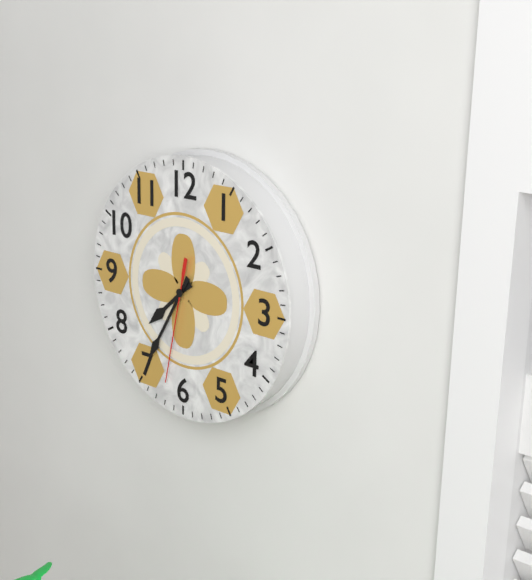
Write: 7:35:32
